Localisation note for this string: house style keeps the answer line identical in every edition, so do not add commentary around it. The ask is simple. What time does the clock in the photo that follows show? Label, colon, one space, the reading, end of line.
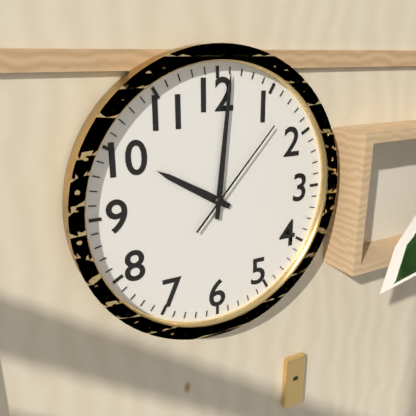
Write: 10:01:07
